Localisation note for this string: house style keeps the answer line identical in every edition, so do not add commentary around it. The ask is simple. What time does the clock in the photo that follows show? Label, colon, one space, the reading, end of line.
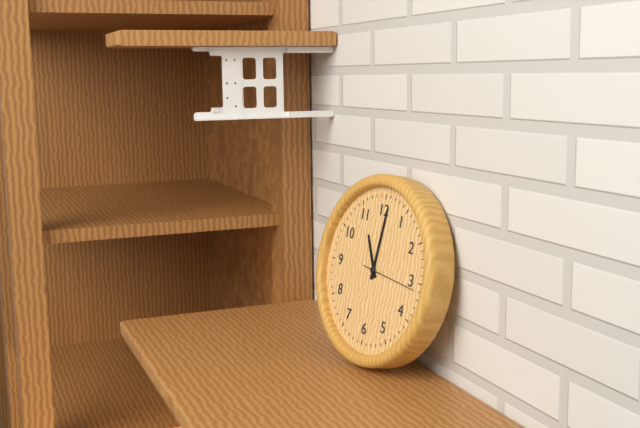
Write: 11:01:16
